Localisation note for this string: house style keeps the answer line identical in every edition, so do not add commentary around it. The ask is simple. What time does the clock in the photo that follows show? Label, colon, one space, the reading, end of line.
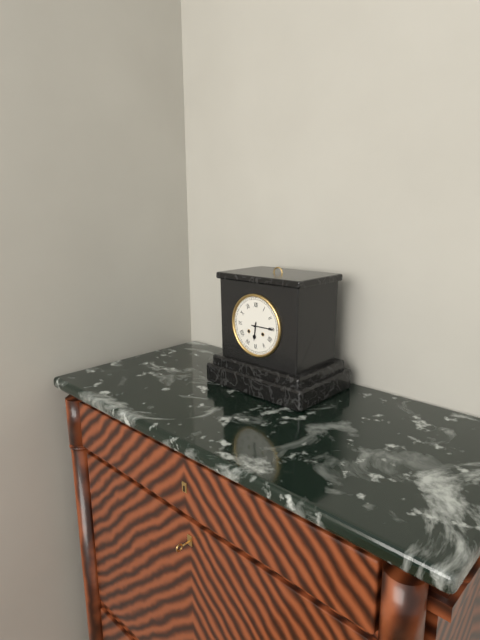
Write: 6:15
